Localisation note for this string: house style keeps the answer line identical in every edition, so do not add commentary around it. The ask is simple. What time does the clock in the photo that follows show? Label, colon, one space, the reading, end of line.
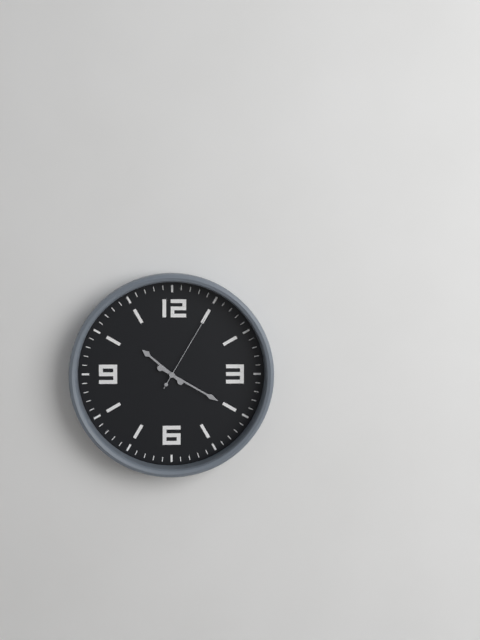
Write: 10:20:05
